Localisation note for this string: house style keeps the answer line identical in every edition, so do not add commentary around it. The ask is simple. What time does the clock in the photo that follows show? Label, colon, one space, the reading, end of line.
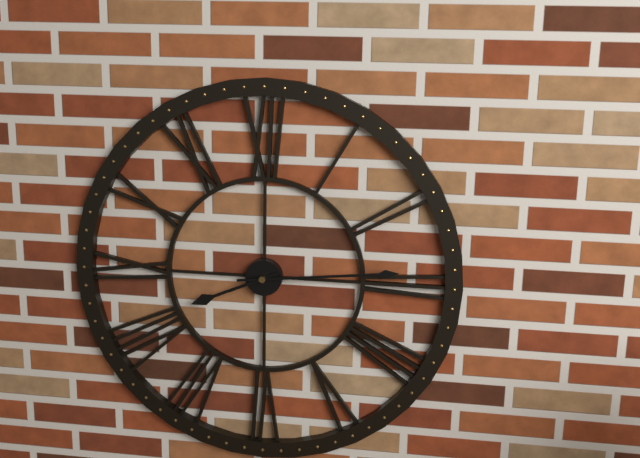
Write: 8:14
